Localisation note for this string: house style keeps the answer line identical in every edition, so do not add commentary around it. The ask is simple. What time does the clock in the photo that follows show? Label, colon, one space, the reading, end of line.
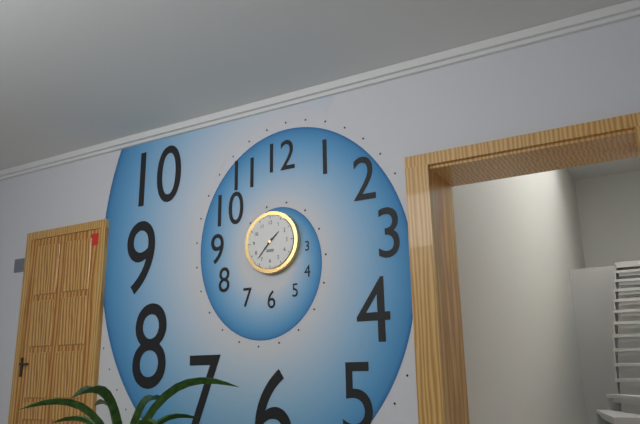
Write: 1:37
